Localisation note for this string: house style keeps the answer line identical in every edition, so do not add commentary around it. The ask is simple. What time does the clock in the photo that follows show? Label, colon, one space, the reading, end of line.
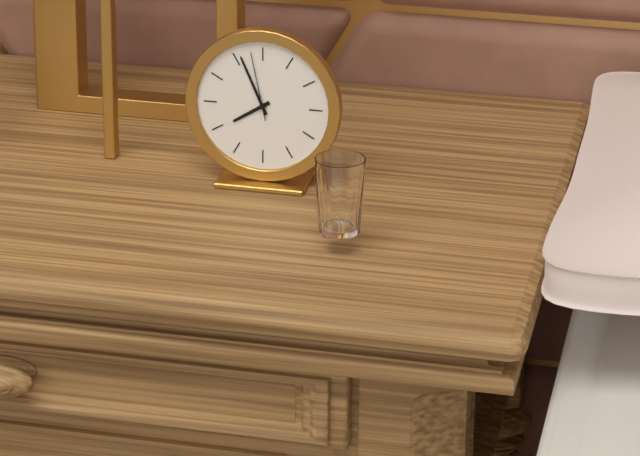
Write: 7:56:58
